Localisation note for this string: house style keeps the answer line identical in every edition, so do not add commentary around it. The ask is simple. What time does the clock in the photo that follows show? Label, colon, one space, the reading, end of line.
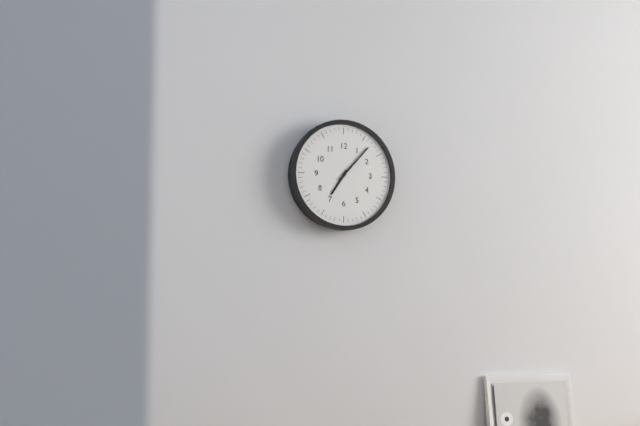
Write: 7:07
